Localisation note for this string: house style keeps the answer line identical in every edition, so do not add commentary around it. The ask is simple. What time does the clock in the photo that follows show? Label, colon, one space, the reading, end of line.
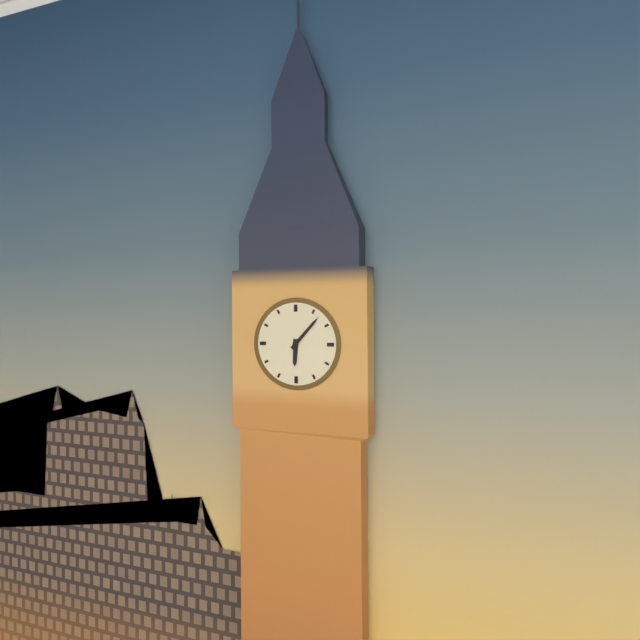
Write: 6:07
